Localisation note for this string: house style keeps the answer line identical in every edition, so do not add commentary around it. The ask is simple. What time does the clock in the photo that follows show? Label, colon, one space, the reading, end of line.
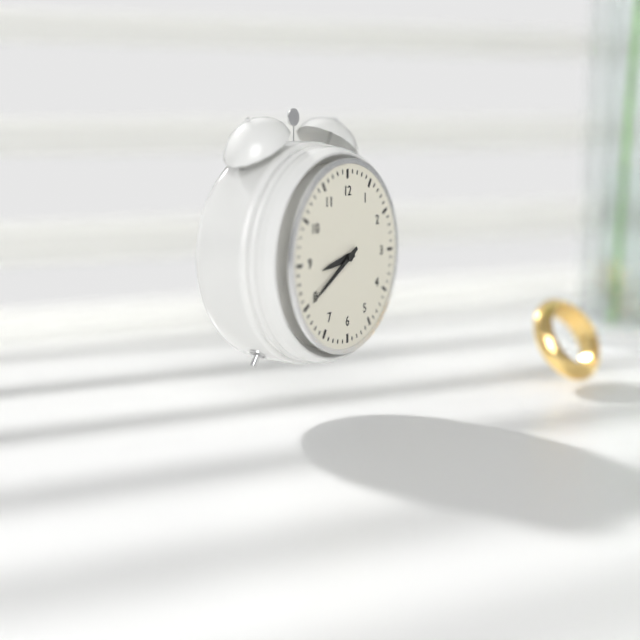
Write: 8:40
